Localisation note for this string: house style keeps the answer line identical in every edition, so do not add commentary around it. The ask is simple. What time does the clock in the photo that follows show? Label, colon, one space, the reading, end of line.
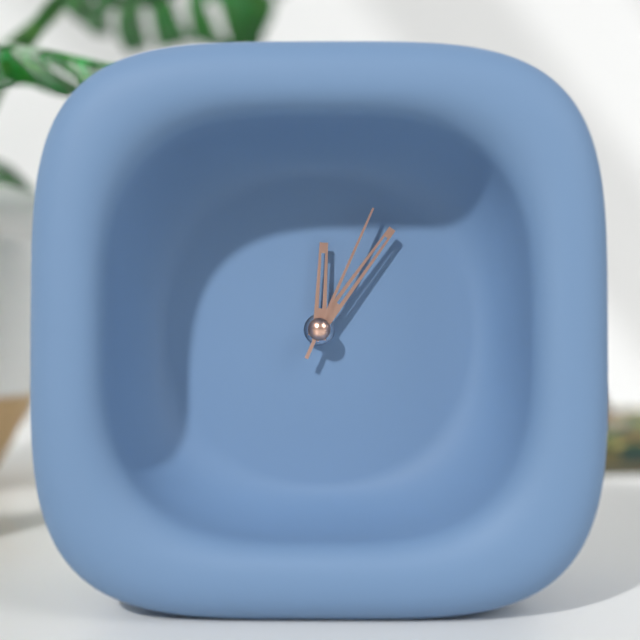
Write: 12:06:04
